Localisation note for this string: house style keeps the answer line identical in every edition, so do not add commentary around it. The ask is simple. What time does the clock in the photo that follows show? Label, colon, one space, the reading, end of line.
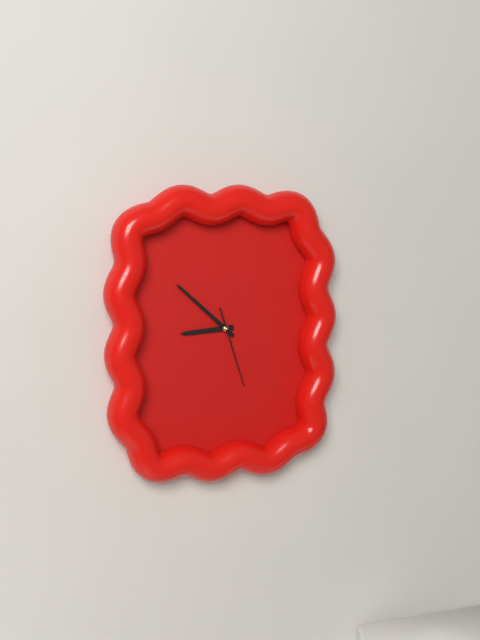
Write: 8:52:27
